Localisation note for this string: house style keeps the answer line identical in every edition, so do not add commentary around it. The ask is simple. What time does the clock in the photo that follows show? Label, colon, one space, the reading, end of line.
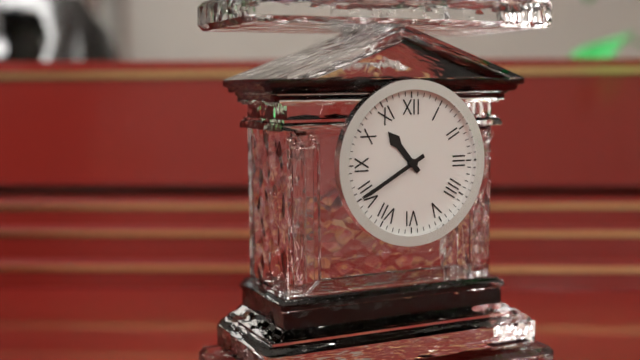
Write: 10:40
